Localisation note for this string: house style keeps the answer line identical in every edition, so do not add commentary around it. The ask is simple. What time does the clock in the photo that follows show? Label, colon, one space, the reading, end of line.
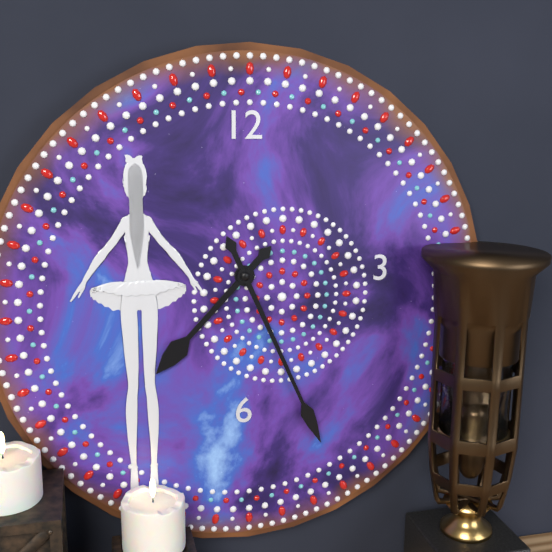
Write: 7:26
